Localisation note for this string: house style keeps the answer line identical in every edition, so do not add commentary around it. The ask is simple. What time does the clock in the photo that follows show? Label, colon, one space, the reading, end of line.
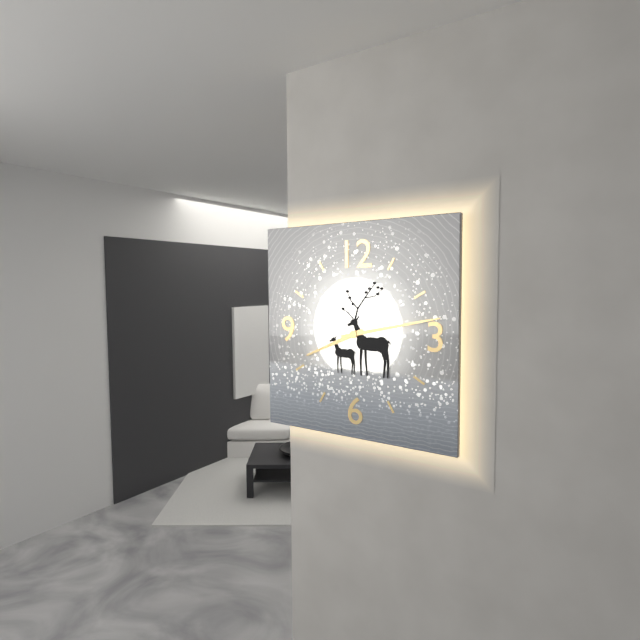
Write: 8:13
